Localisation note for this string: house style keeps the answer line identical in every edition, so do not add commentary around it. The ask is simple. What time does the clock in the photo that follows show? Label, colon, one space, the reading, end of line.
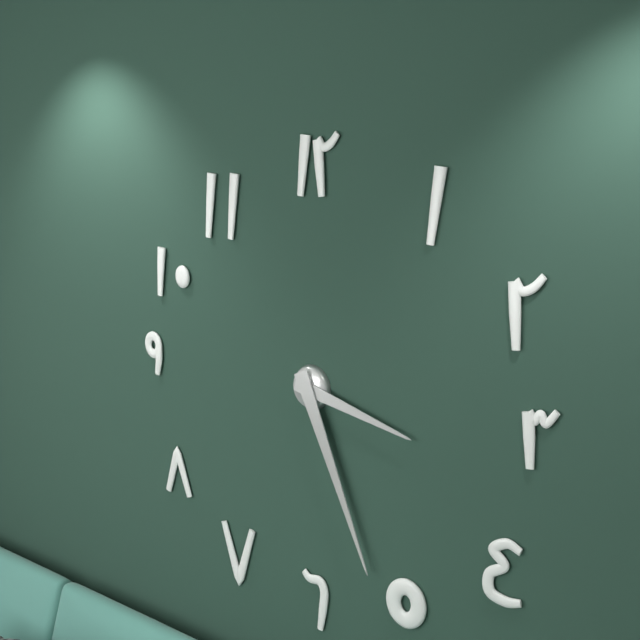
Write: 3:26
